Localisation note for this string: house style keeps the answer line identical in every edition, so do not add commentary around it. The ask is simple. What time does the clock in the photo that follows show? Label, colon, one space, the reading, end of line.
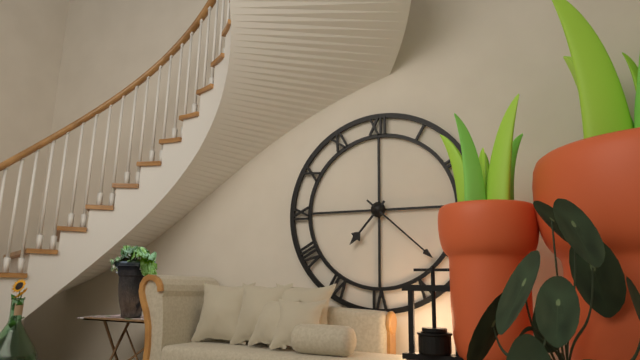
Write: 7:22
